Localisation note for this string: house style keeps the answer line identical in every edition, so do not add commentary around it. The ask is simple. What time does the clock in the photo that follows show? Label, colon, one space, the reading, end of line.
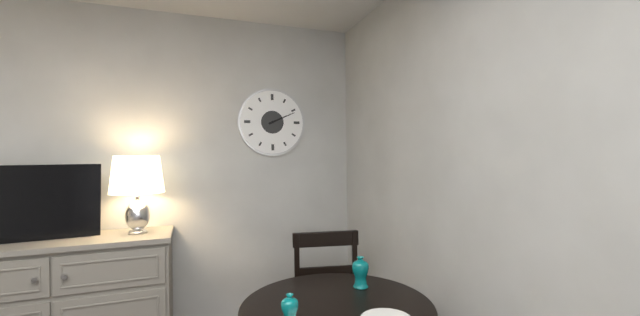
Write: 2:11
